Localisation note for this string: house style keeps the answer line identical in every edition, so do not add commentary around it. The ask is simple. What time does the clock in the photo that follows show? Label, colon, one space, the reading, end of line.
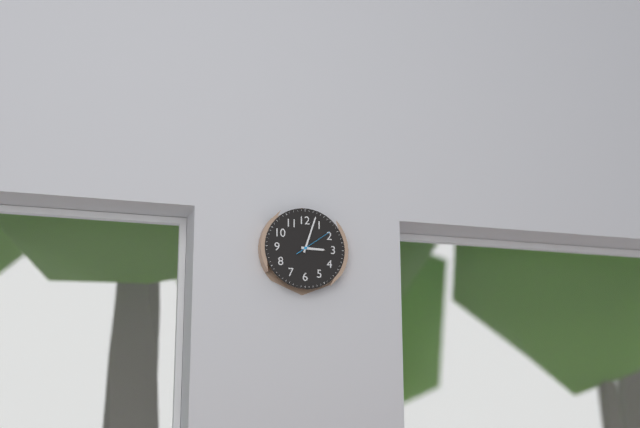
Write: 3:03
